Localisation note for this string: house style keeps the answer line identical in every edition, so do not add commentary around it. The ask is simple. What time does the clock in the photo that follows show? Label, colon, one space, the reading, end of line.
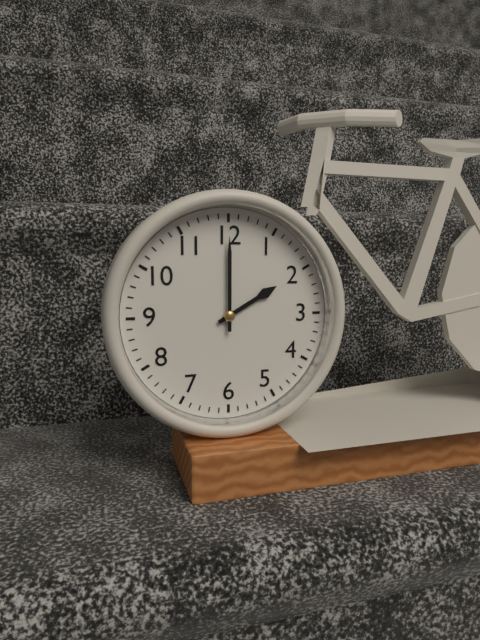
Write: 2:00
